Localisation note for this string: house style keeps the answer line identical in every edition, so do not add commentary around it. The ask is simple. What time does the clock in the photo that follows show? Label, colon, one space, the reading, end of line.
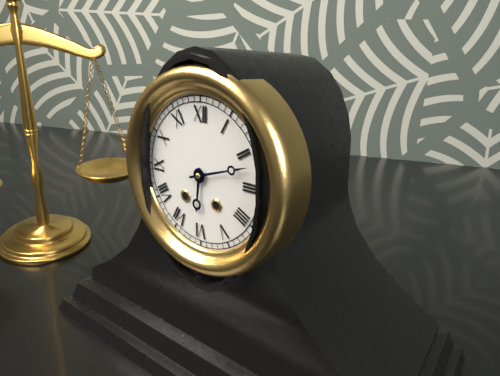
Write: 6:12
